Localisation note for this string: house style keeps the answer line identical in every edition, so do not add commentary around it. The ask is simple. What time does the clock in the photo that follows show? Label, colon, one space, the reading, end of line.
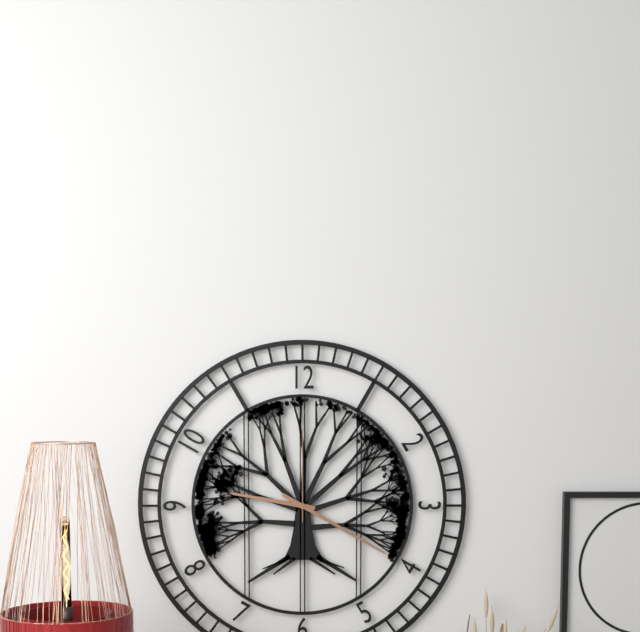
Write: 9:20:00
